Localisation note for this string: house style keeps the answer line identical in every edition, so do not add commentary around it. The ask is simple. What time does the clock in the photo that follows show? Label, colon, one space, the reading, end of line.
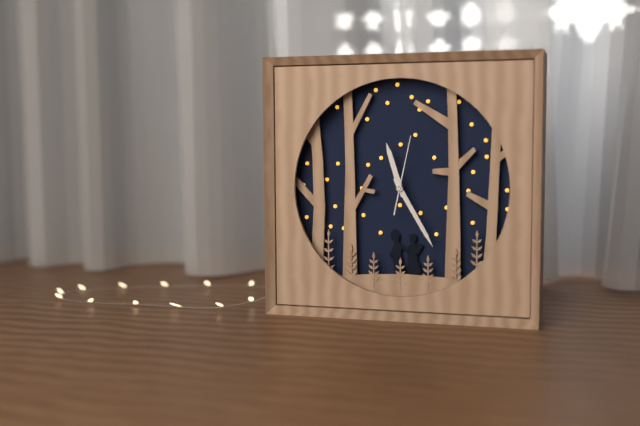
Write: 11:25:02
